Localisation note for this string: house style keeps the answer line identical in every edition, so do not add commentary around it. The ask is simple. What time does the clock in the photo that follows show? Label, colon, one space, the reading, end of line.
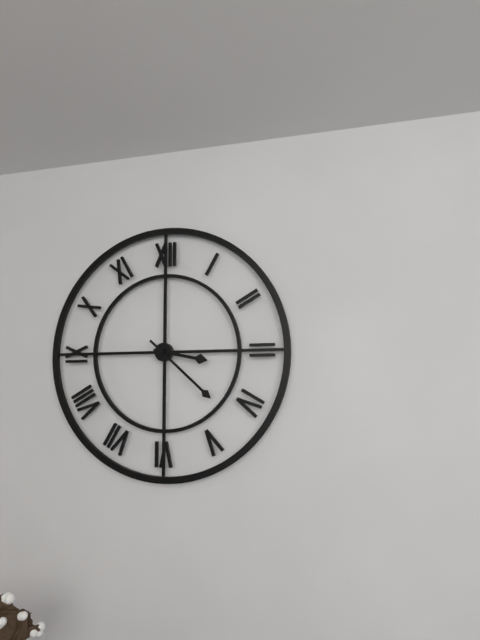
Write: 3:22
